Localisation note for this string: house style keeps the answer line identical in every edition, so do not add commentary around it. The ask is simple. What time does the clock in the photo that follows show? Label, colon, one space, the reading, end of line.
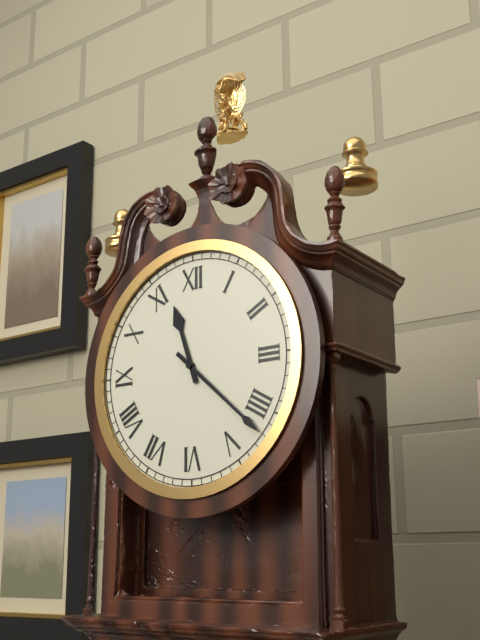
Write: 11:22
